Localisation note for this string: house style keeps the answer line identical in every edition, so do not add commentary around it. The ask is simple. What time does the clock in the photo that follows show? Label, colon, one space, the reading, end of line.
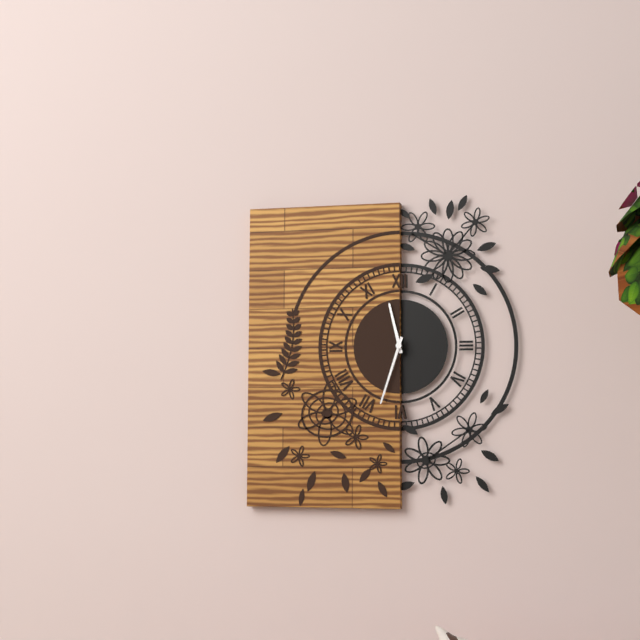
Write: 11:33
